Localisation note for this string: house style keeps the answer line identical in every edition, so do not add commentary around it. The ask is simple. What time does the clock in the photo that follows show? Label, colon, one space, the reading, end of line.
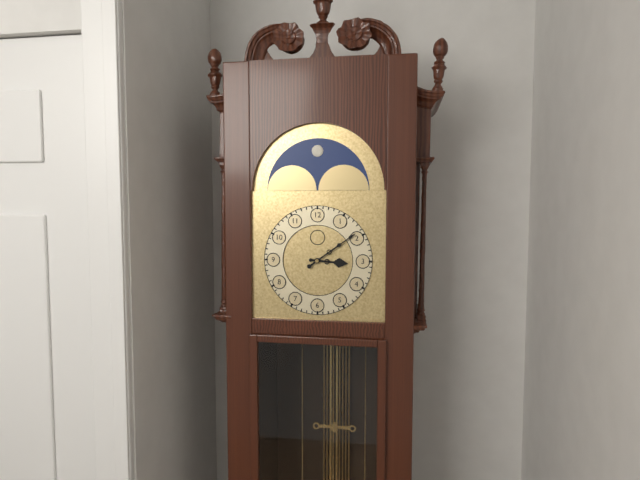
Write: 3:09
